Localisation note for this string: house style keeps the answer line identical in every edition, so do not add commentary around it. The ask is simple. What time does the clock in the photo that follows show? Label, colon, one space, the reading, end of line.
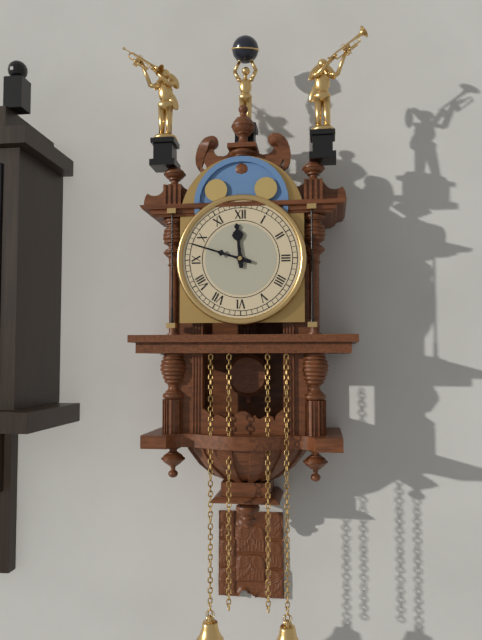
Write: 11:48
